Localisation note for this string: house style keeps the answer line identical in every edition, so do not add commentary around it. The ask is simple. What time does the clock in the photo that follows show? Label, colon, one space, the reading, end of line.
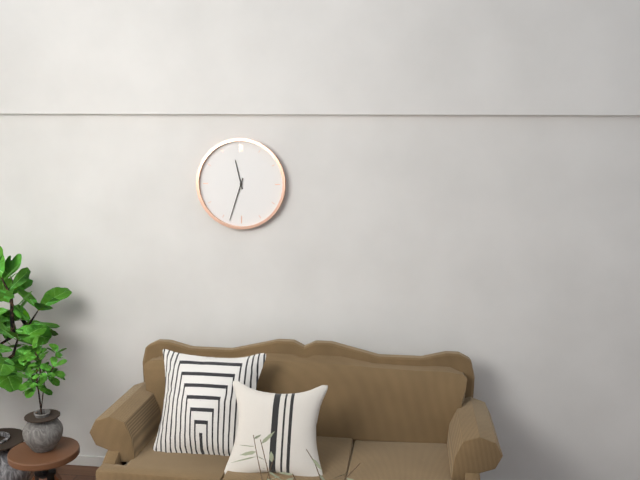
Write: 11:33
